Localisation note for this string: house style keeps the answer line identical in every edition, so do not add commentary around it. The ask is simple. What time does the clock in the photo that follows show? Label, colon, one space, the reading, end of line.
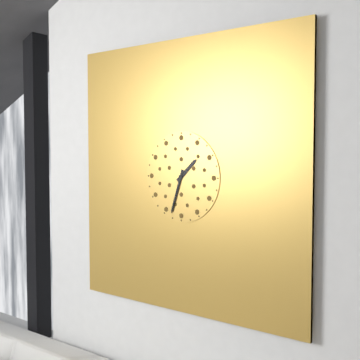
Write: 1:33
